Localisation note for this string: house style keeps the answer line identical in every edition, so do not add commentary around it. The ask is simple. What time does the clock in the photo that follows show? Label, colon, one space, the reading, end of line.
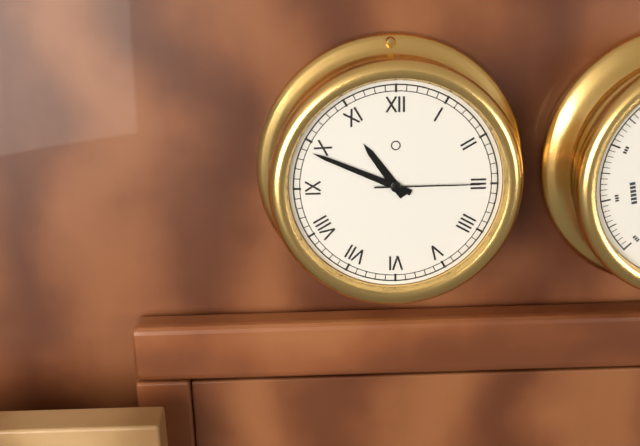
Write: 10:49:15
